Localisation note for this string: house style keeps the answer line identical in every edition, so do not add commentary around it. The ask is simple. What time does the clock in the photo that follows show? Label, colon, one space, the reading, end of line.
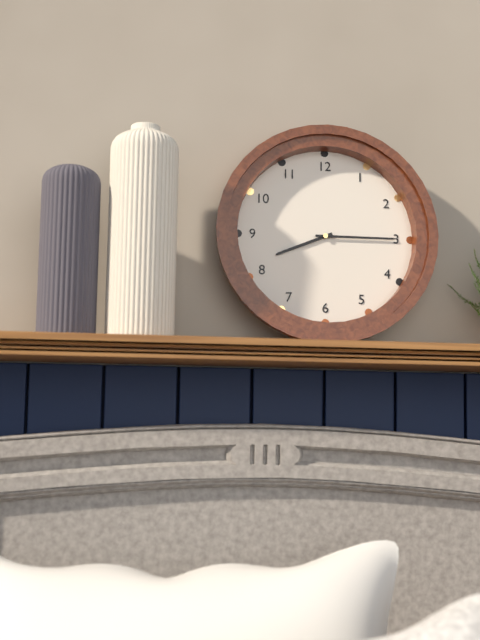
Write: 8:15
